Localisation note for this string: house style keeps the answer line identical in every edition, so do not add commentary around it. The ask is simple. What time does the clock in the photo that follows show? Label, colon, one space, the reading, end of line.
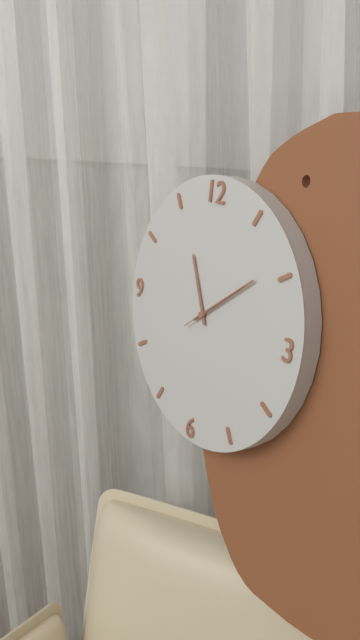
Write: 11:09:09
